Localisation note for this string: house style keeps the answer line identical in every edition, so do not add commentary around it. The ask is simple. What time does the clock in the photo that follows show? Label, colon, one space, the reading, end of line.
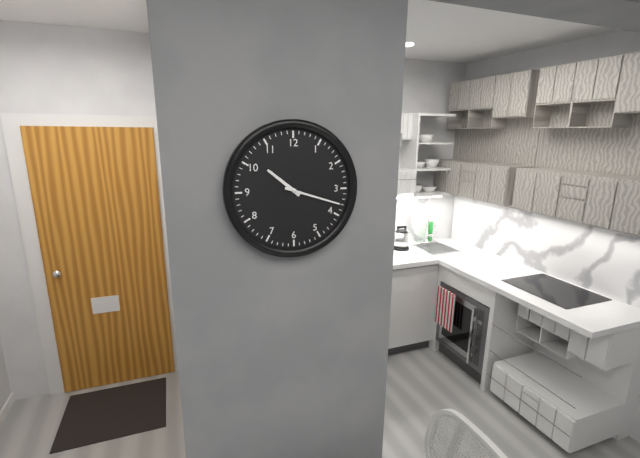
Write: 10:18
